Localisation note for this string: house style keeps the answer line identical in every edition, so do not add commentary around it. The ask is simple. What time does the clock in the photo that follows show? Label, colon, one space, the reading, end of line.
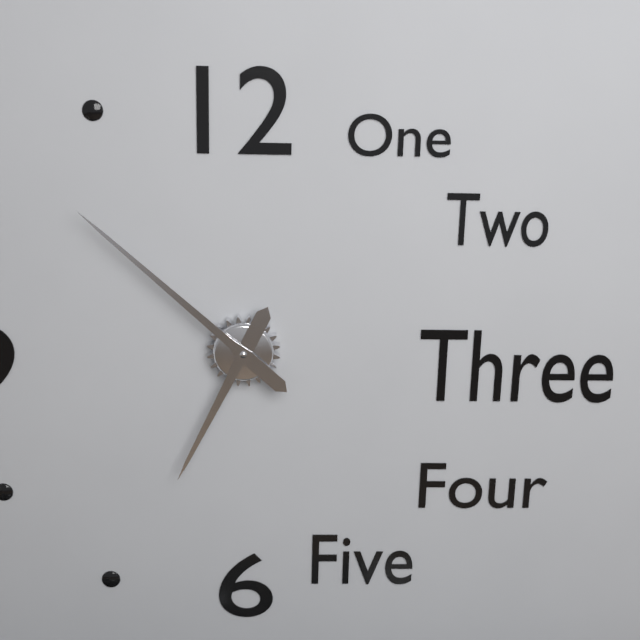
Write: 6:52
